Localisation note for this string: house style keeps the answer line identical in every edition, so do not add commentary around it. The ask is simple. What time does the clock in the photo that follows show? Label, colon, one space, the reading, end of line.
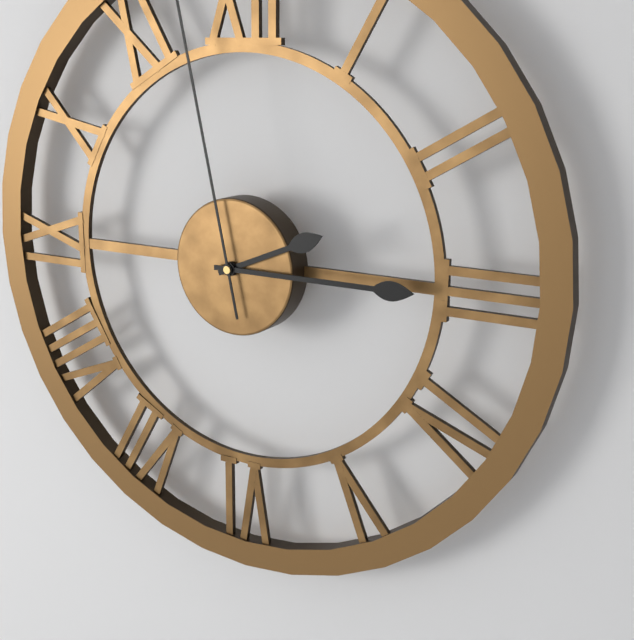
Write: 2:15
